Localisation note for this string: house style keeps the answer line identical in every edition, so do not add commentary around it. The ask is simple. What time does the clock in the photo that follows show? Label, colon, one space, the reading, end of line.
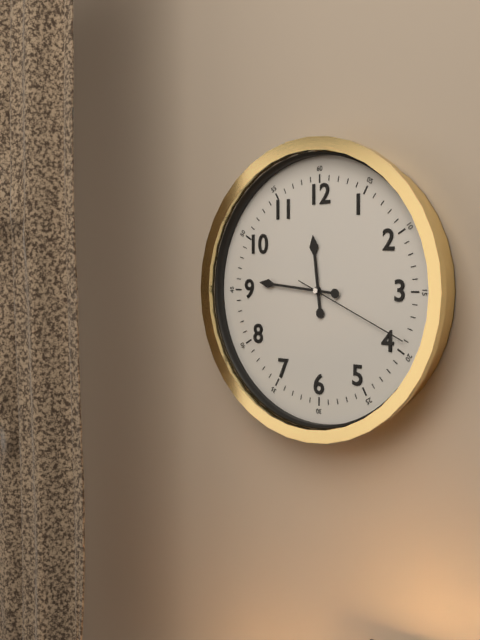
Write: 11:46:19
